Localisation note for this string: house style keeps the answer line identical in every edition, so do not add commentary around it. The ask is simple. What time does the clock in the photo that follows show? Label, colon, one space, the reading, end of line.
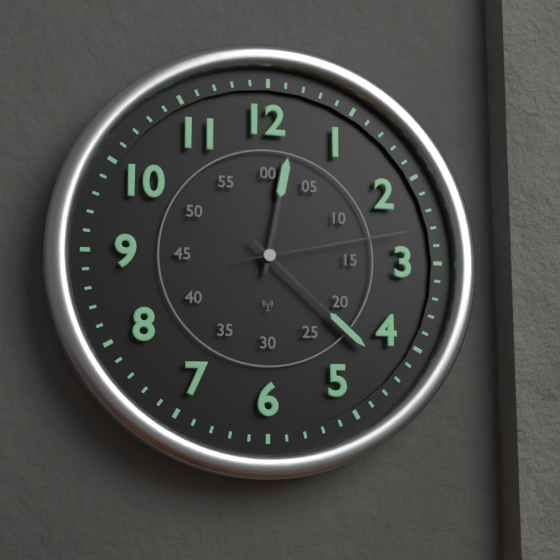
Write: 12:22:13
